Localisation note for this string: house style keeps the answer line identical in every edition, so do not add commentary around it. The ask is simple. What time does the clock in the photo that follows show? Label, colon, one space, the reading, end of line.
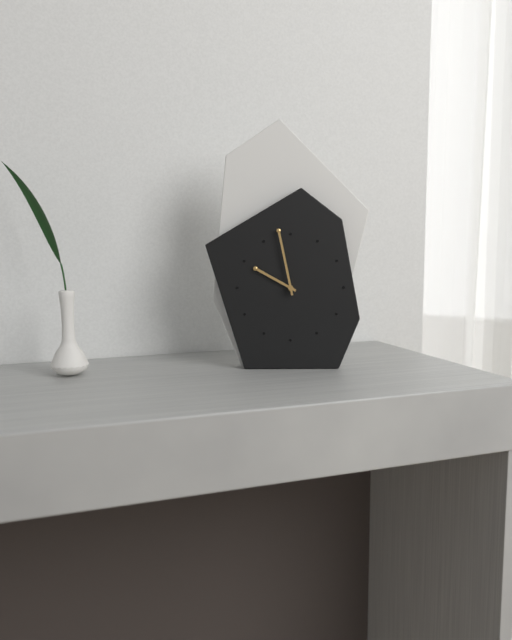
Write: 9:58
